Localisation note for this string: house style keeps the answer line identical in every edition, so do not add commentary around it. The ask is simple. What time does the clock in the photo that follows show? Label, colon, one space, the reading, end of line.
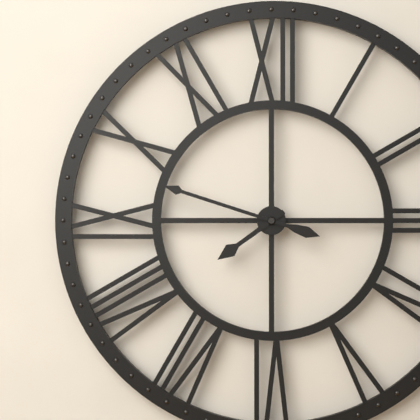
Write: 7:48
